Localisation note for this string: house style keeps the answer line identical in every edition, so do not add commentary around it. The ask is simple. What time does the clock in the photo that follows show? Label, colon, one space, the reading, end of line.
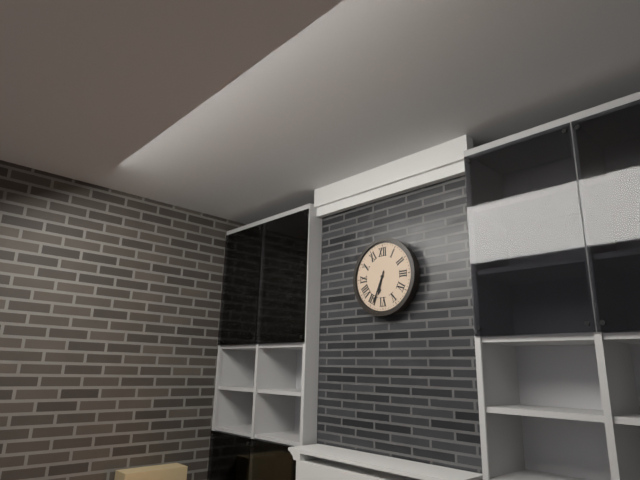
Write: 6:34
